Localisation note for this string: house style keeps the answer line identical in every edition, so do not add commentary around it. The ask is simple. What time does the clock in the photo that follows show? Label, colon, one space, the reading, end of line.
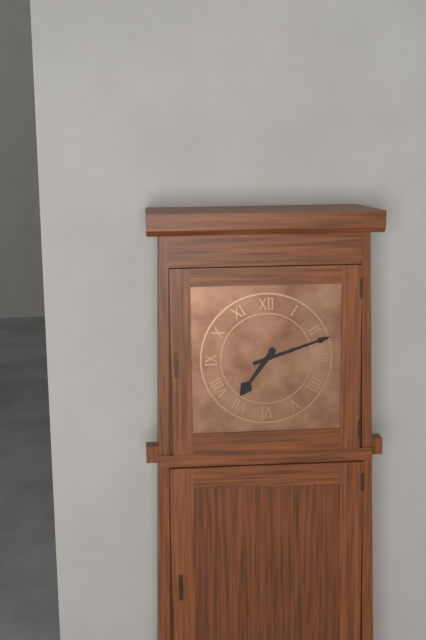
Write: 7:12
